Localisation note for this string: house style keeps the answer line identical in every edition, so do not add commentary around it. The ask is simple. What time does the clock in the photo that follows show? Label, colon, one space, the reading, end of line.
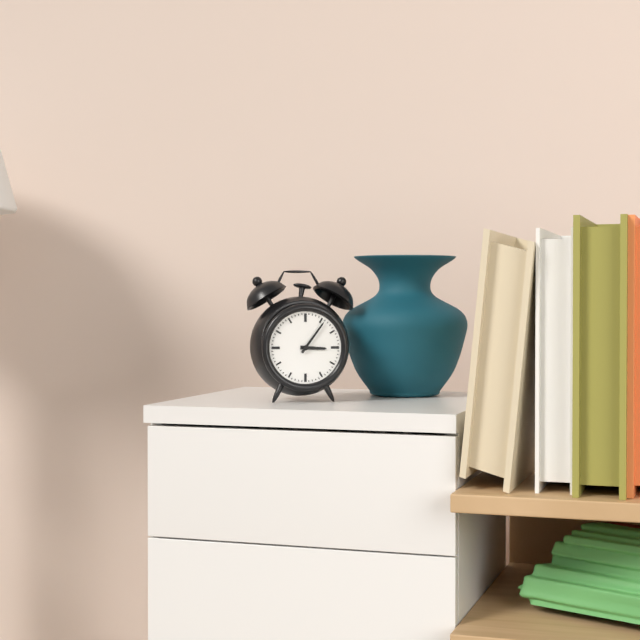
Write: 3:06
